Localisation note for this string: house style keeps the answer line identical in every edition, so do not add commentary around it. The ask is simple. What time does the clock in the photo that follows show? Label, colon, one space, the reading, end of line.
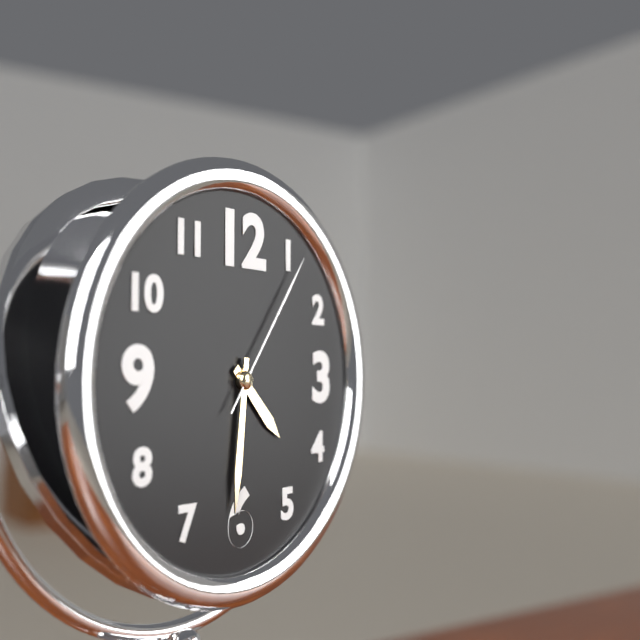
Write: 4:31:06
